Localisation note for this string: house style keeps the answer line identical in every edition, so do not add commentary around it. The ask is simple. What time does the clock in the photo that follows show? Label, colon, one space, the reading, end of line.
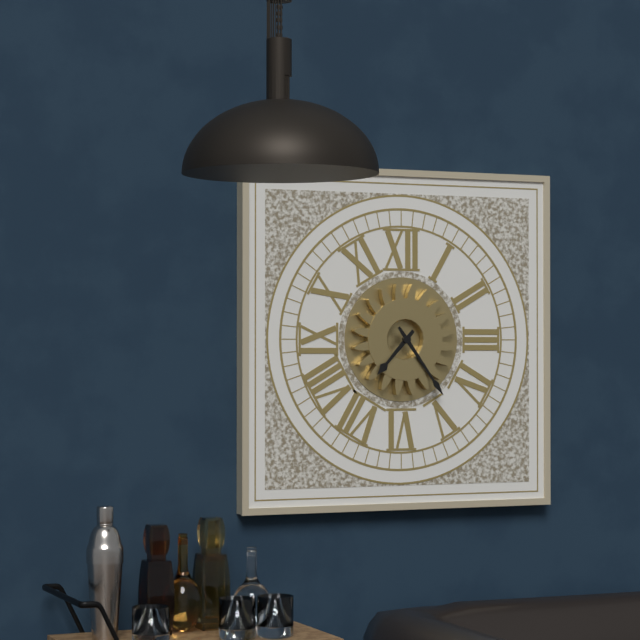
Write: 7:24
